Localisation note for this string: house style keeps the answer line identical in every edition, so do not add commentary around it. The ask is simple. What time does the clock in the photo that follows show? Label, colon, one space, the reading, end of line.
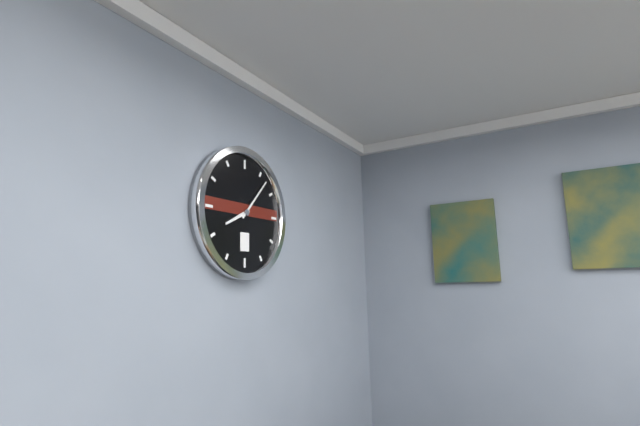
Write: 8:07
